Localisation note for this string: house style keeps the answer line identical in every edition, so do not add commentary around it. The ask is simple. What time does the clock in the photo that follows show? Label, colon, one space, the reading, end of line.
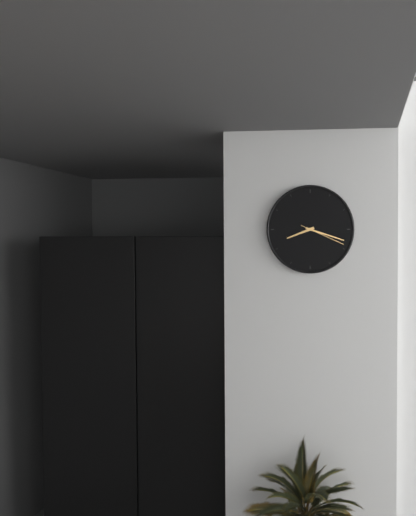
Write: 8:18
